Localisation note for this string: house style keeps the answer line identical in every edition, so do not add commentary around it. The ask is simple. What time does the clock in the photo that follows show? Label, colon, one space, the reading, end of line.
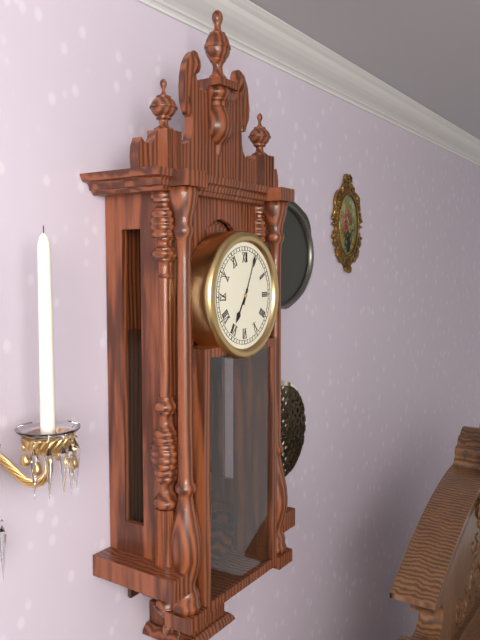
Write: 7:04
